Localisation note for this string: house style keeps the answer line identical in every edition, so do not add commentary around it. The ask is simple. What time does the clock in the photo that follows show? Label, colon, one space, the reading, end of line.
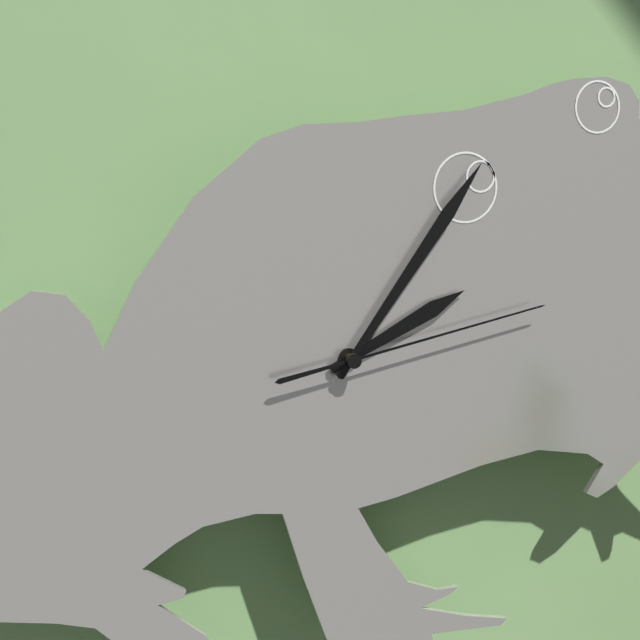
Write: 2:06:13
